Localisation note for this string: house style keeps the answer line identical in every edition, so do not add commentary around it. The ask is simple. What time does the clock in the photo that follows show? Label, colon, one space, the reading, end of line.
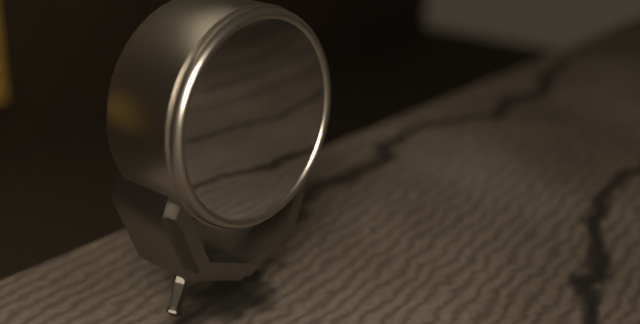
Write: 12:56
